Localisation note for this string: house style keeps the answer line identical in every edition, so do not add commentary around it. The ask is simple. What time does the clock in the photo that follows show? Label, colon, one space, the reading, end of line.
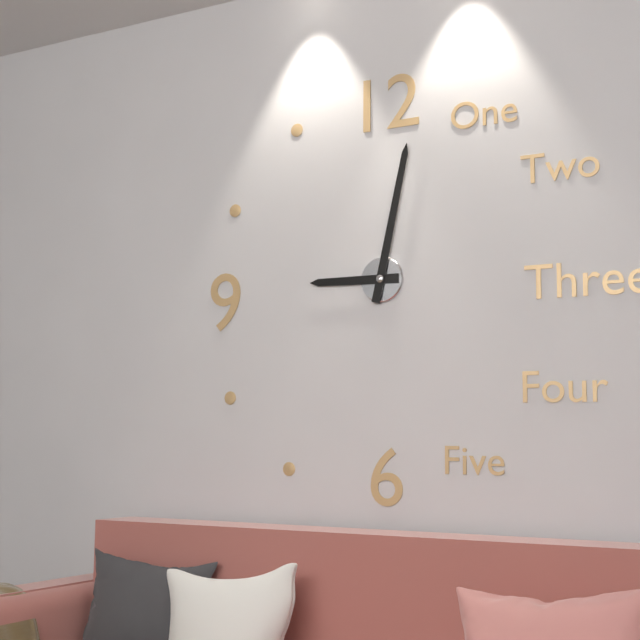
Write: 9:02
